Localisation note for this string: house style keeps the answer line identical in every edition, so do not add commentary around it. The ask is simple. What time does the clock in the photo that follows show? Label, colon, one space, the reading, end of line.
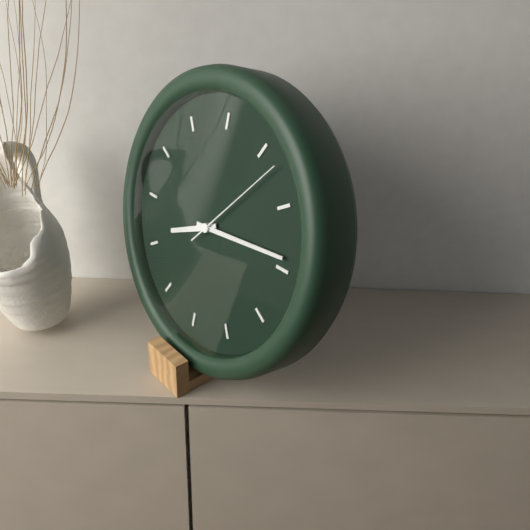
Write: 8:14:07
